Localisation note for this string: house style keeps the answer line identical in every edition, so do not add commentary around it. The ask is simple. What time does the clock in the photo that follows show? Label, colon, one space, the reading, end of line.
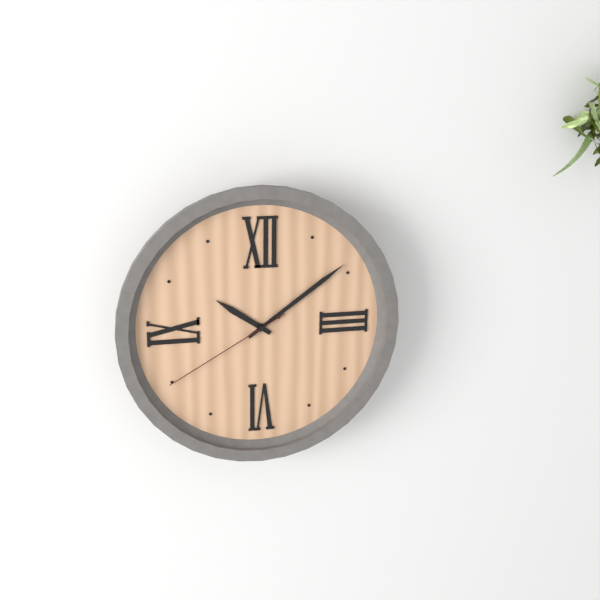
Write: 10:09:40
